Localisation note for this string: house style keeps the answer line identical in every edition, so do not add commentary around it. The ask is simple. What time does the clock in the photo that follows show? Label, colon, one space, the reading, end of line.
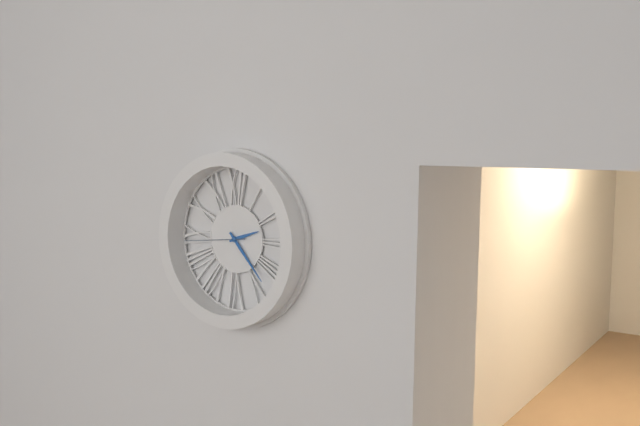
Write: 2:23:44
